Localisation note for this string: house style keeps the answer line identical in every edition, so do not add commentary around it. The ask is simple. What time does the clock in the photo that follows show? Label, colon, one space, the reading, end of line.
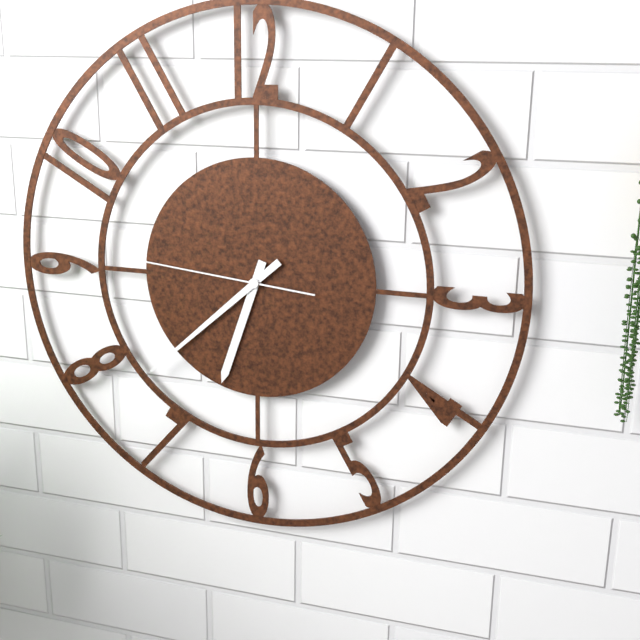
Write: 6:38:46
